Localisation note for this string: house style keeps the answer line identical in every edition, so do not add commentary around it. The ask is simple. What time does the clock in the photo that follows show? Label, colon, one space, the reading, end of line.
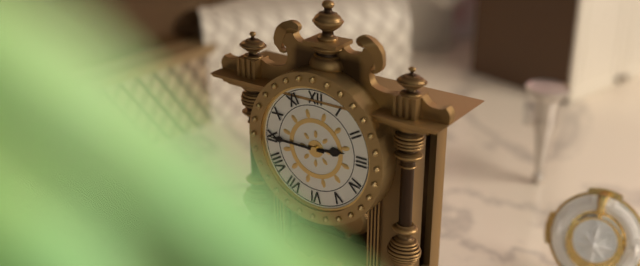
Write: 2:45
